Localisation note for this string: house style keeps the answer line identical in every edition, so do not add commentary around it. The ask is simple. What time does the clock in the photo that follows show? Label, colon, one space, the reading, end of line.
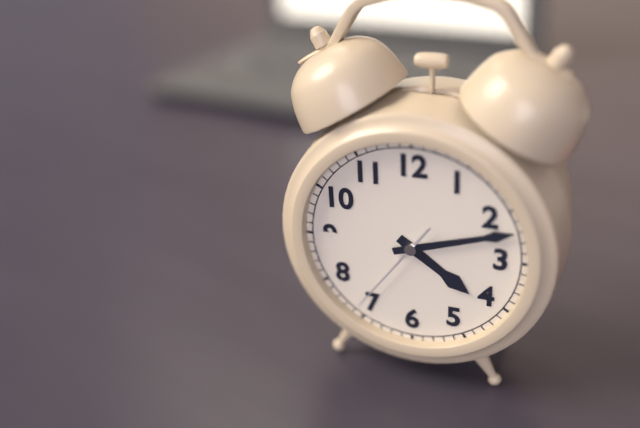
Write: 4:12:36
